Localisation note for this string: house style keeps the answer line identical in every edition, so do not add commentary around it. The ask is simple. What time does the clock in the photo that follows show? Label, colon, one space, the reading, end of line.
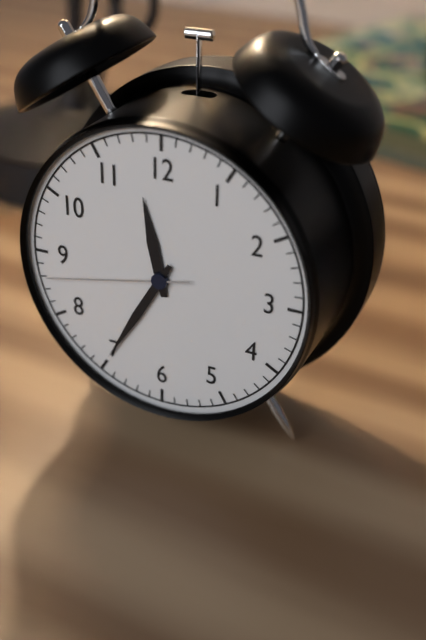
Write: 11:35:43
